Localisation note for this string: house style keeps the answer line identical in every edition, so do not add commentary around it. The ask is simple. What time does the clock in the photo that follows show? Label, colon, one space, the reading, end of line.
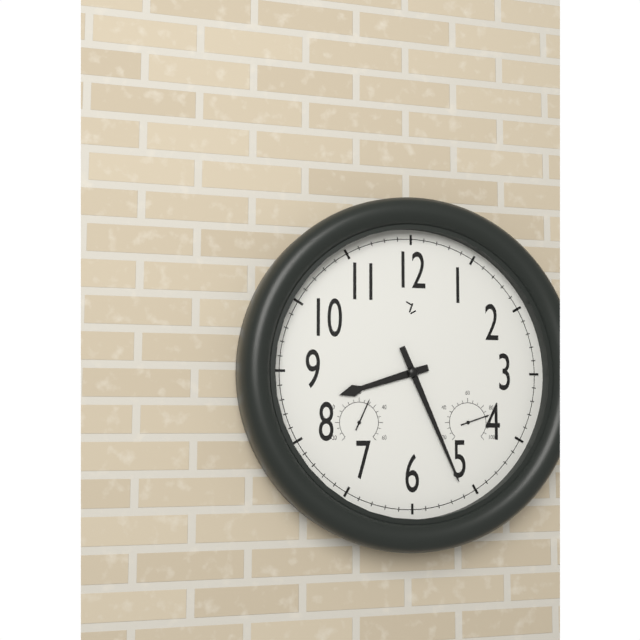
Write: 8:26
